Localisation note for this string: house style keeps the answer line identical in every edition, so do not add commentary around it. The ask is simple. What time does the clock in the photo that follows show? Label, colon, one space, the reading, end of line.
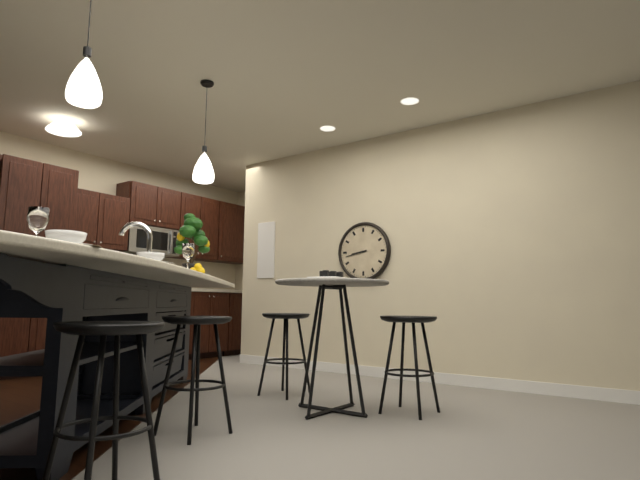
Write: 8:43
